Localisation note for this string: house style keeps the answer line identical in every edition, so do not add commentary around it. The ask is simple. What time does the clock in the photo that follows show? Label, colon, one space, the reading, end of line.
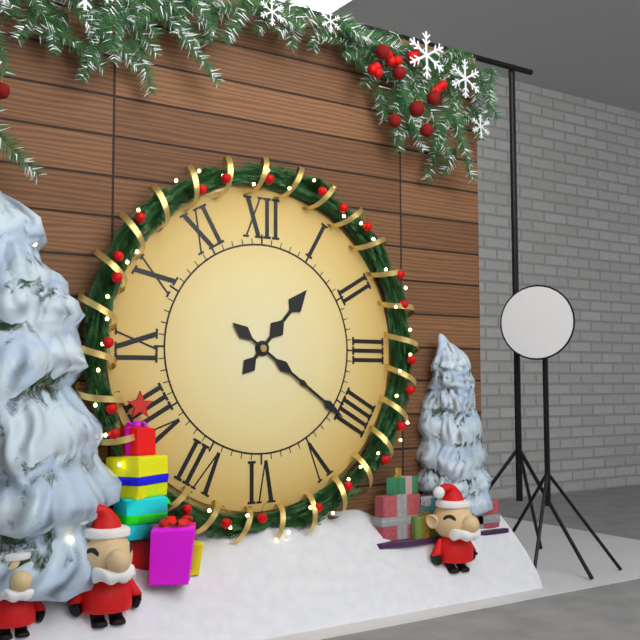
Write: 1:21
